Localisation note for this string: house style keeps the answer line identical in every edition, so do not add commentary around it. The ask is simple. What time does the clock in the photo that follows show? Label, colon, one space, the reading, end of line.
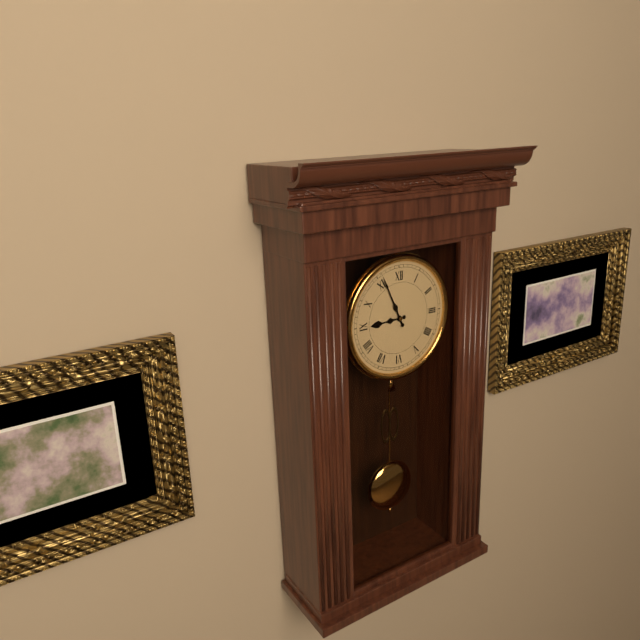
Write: 8:56
